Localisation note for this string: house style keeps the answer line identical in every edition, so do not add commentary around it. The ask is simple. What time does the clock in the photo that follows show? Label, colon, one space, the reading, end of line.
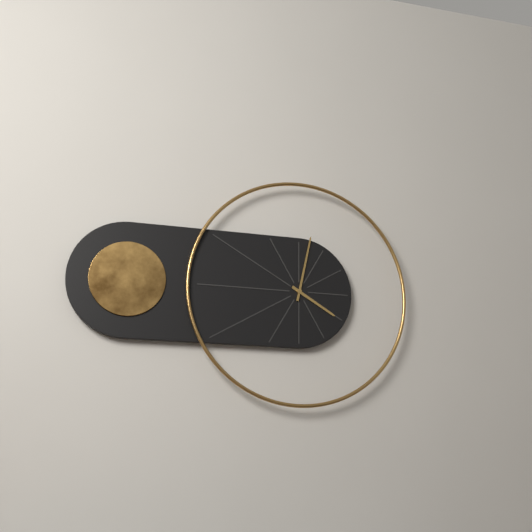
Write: 4:02
